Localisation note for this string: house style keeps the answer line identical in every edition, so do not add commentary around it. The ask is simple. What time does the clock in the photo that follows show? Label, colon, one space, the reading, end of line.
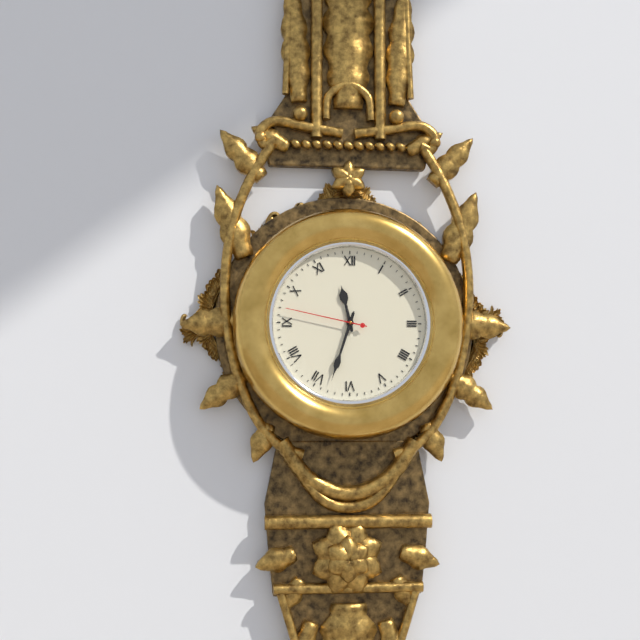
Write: 11:33:47
